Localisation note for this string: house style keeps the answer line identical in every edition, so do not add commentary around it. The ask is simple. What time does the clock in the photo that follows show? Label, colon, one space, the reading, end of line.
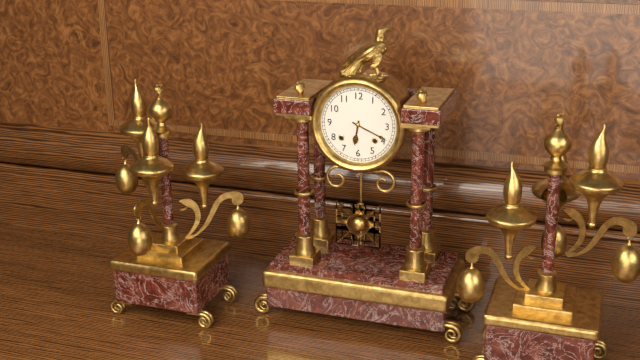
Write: 6:19
